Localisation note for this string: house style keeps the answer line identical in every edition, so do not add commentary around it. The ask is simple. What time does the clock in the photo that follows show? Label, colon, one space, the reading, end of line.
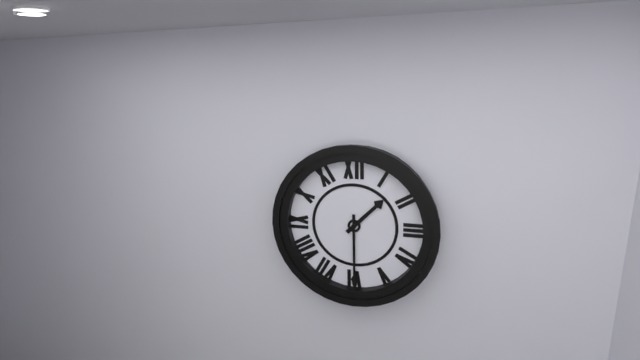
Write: 1:30
